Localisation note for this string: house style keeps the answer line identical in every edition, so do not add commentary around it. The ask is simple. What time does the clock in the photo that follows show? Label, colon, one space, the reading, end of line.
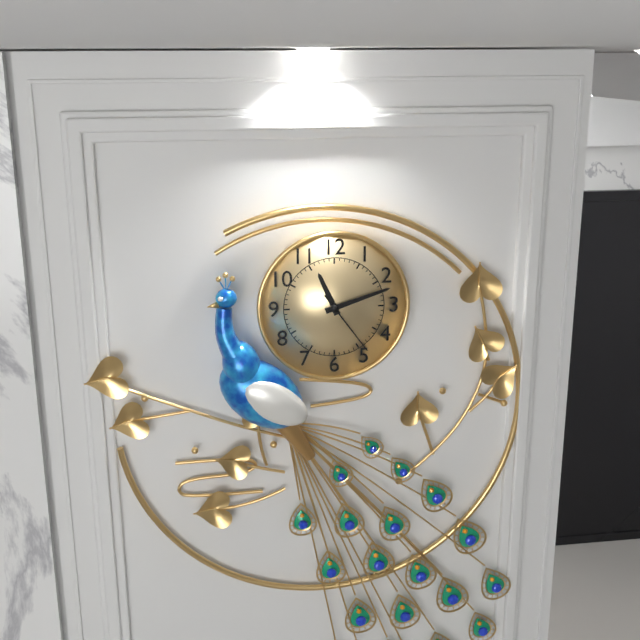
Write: 11:12:24
